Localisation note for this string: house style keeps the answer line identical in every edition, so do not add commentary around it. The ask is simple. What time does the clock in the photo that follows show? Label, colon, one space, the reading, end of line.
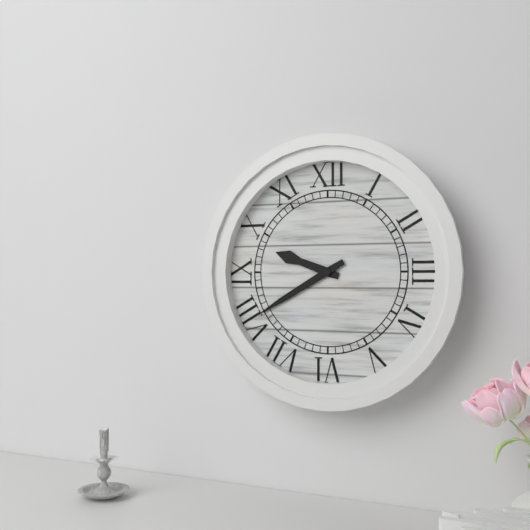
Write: 9:40
